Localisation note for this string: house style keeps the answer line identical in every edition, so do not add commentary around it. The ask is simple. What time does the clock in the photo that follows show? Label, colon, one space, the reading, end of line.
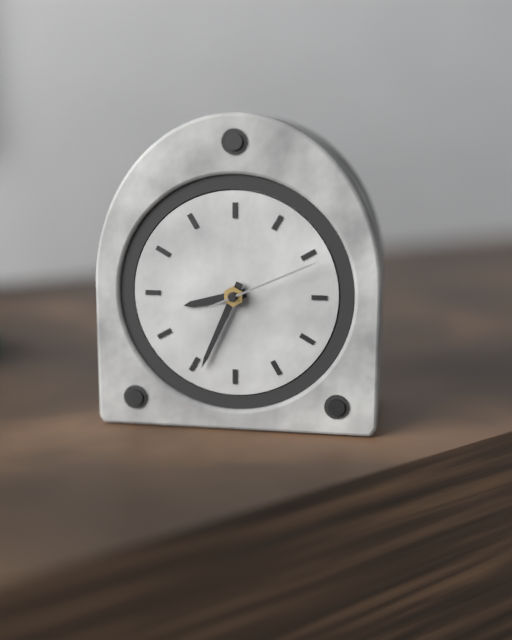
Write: 8:34:11
